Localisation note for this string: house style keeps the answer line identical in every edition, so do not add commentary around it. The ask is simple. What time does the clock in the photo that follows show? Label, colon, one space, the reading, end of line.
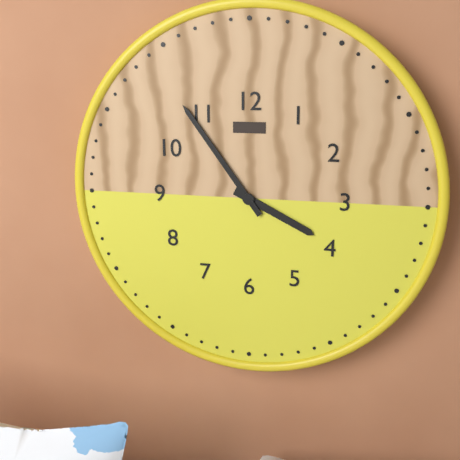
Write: 3:54
